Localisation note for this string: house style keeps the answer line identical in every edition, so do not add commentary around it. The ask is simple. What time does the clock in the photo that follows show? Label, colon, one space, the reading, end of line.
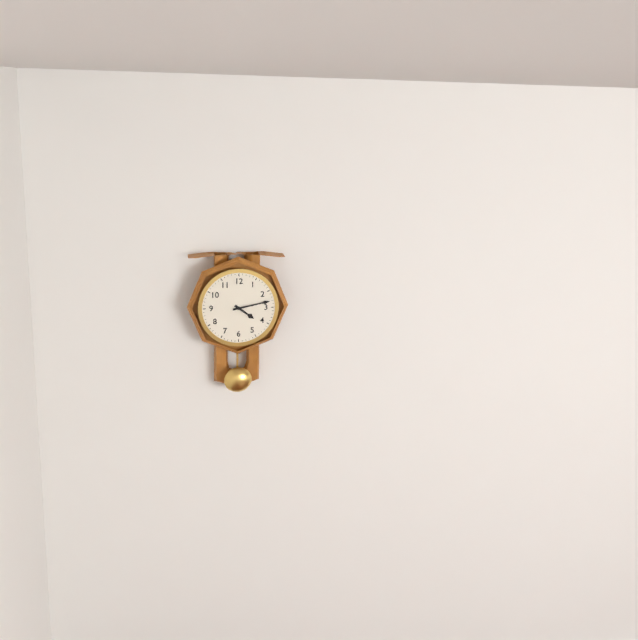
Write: 4:13
